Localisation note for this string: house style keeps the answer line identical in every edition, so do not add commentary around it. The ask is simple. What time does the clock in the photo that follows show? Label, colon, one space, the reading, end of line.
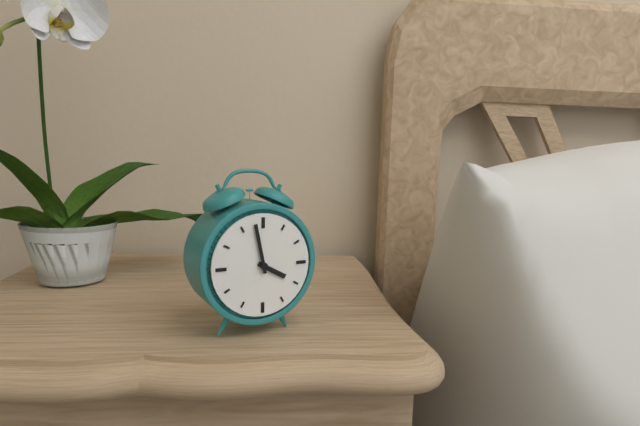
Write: 3:58
